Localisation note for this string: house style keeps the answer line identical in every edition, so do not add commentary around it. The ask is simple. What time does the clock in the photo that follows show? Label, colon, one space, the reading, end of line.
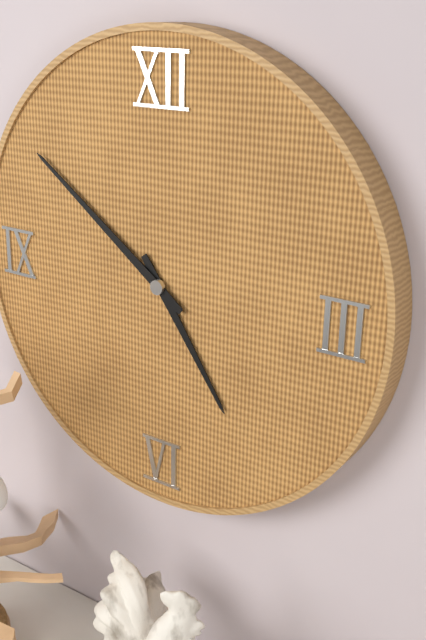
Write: 4:51
